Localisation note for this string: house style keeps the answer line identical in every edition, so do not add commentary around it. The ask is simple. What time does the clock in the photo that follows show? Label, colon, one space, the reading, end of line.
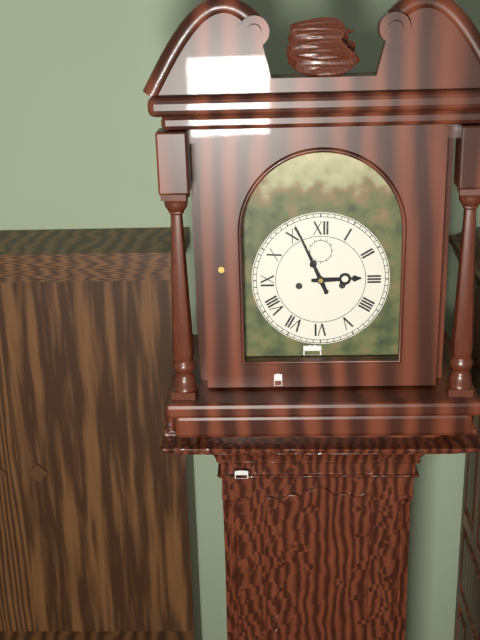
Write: 2:56
